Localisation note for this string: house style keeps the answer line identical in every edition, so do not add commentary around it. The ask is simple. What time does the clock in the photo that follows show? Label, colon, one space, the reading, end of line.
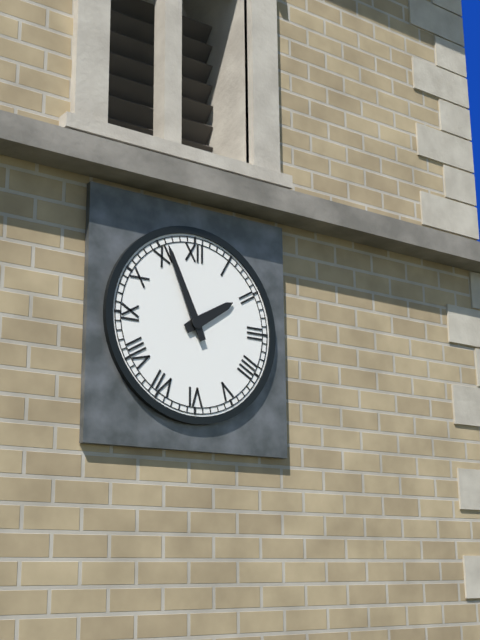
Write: 1:56
